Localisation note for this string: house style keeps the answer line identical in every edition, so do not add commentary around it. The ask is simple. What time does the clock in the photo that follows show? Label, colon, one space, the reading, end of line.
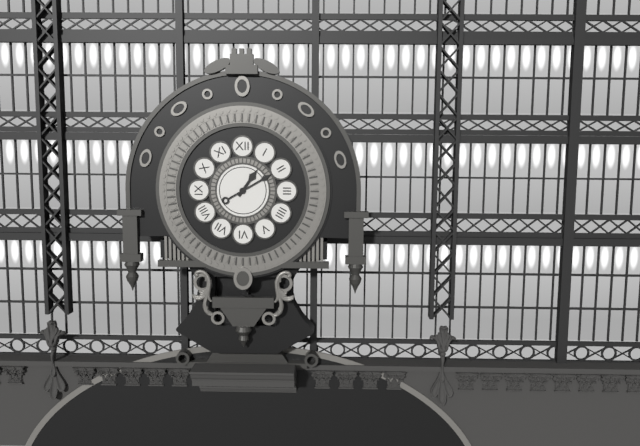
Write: 1:10
